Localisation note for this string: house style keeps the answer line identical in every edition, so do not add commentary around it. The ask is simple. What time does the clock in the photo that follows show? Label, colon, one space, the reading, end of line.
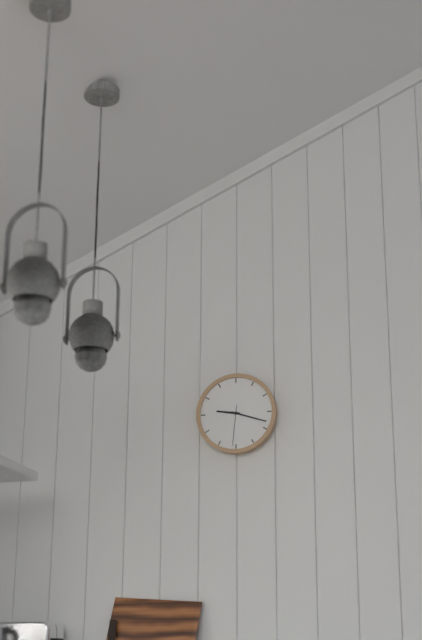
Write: 9:18
